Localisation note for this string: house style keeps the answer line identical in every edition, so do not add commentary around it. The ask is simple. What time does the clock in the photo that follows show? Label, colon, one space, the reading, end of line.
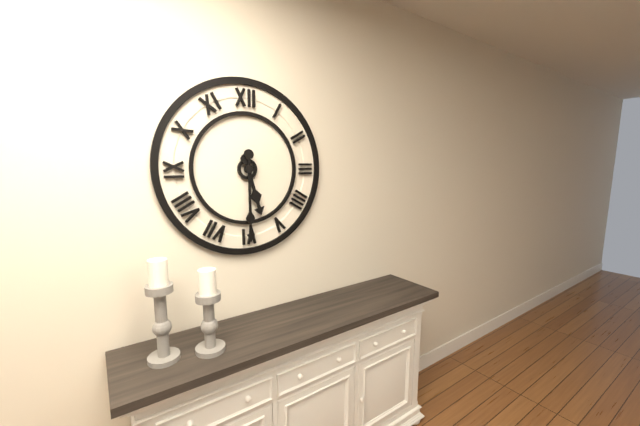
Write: 5:30
